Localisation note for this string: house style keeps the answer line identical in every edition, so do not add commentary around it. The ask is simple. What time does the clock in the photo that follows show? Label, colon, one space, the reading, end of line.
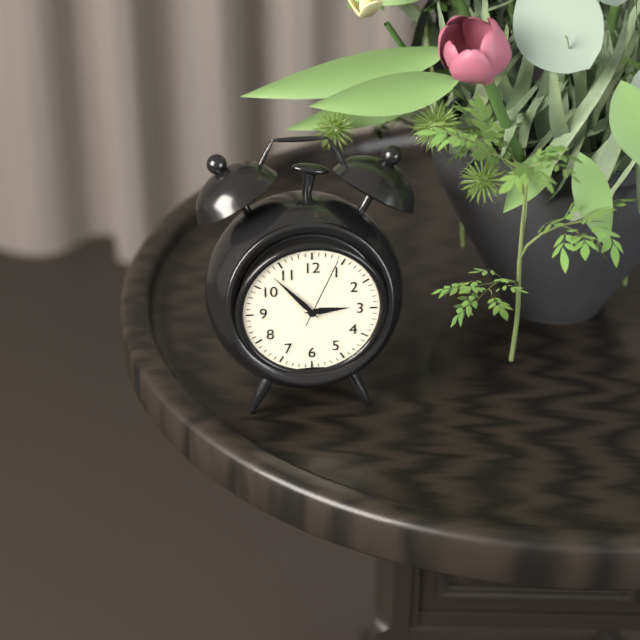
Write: 2:53:04
